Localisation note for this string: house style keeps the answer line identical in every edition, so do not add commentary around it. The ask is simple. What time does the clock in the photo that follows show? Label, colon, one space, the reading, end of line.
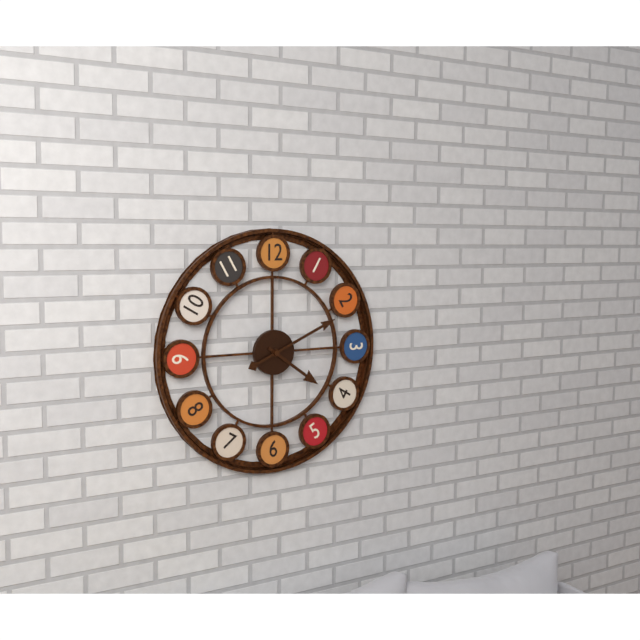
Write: 4:11
